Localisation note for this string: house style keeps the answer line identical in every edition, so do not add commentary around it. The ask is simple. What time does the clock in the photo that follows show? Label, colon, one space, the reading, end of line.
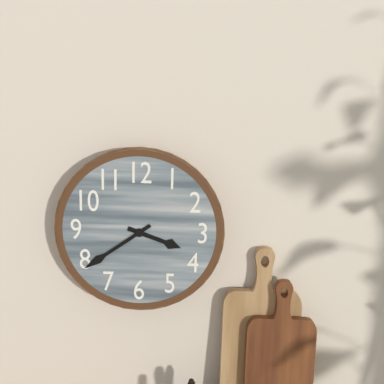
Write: 3:39
